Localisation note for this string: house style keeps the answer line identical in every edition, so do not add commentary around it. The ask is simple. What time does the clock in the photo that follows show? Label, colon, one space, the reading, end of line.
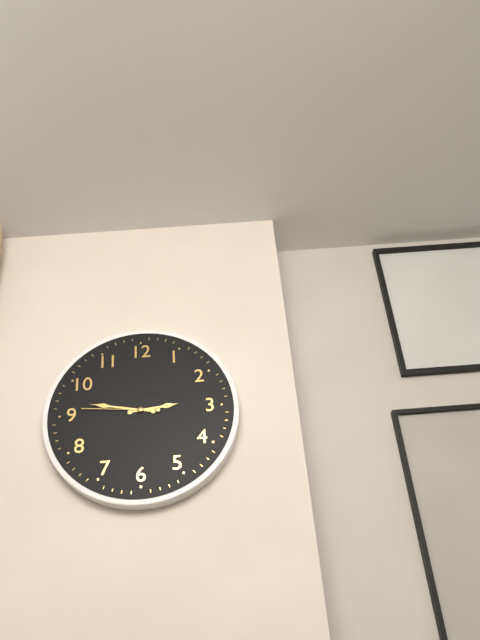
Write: 2:47:46
